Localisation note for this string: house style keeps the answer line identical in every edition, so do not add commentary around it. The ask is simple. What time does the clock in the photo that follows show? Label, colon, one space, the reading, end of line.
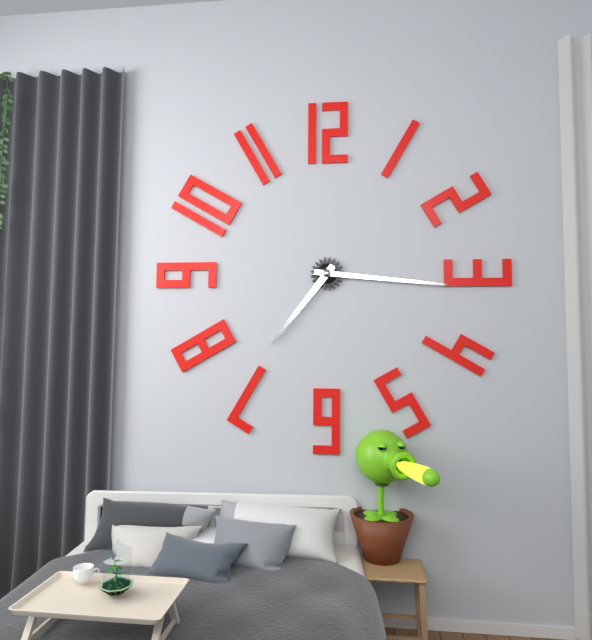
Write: 7:16
